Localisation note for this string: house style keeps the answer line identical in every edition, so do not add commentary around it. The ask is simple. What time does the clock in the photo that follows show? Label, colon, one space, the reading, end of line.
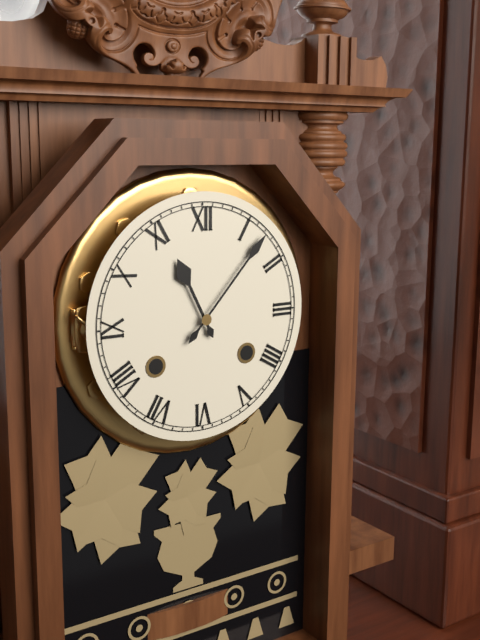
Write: 11:07
